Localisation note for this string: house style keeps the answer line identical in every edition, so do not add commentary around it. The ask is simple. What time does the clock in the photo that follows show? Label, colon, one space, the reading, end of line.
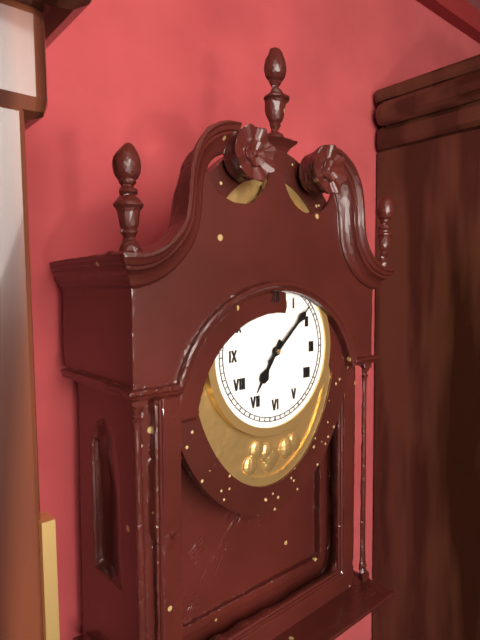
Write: 7:08
